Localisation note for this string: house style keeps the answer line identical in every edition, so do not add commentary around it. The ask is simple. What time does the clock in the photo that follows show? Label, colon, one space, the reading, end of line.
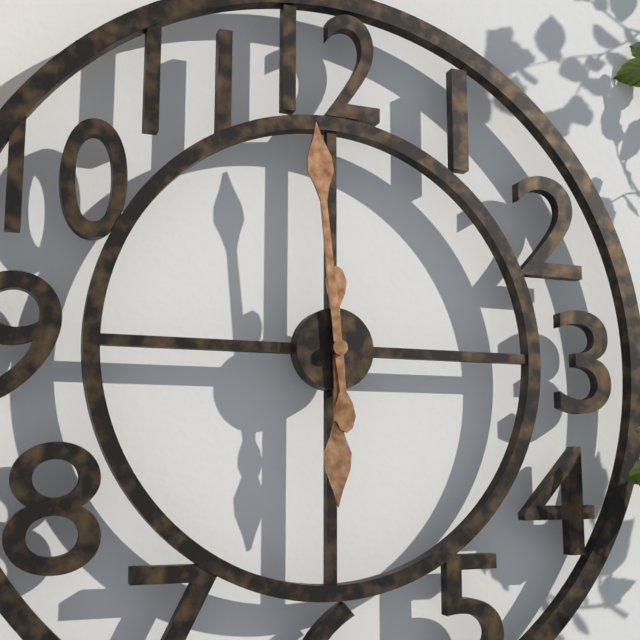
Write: 5:59
